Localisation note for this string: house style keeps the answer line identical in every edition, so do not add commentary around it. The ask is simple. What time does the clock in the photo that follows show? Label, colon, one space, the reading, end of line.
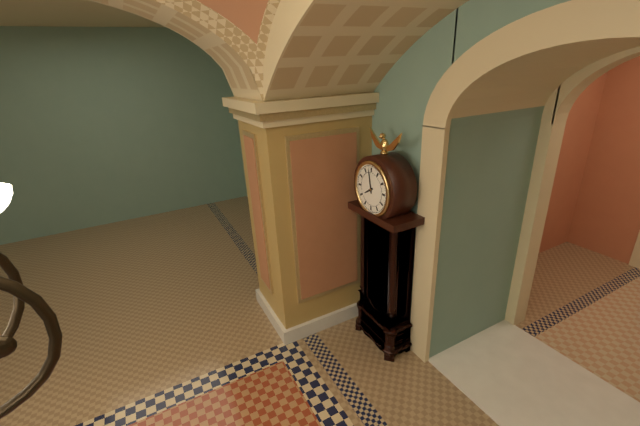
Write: 7:58
